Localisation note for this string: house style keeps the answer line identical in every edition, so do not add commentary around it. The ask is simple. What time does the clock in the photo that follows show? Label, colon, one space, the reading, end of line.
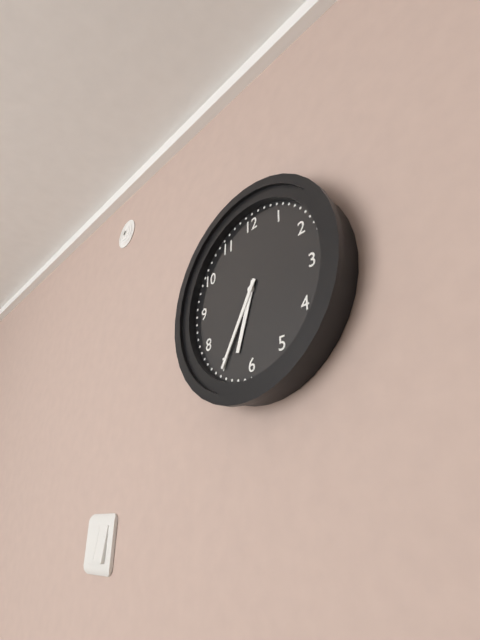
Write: 6:35
